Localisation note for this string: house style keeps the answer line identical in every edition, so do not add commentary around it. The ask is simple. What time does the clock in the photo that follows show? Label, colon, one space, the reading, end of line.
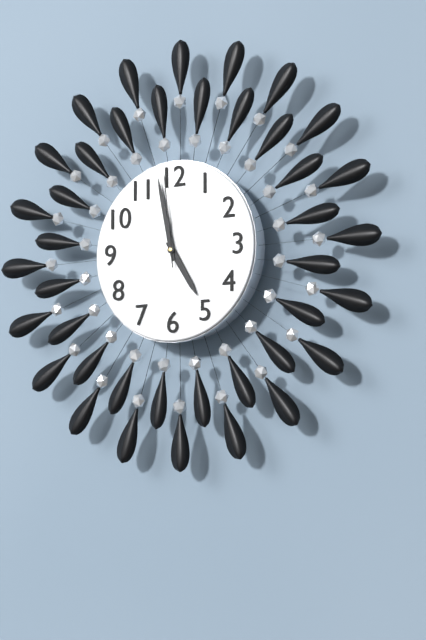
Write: 4:58:59
